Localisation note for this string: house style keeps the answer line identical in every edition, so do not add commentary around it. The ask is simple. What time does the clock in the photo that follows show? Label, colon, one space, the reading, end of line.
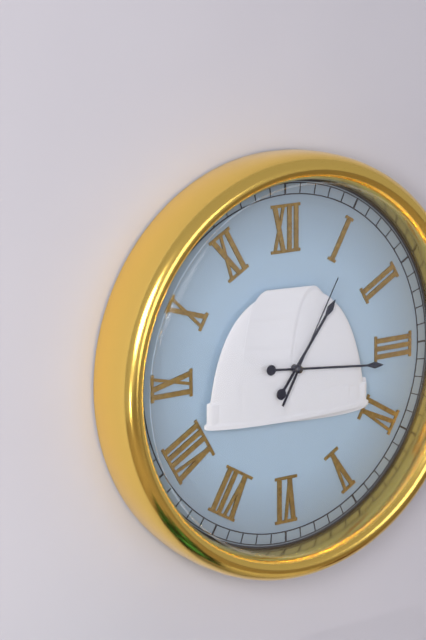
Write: 1:16:05
